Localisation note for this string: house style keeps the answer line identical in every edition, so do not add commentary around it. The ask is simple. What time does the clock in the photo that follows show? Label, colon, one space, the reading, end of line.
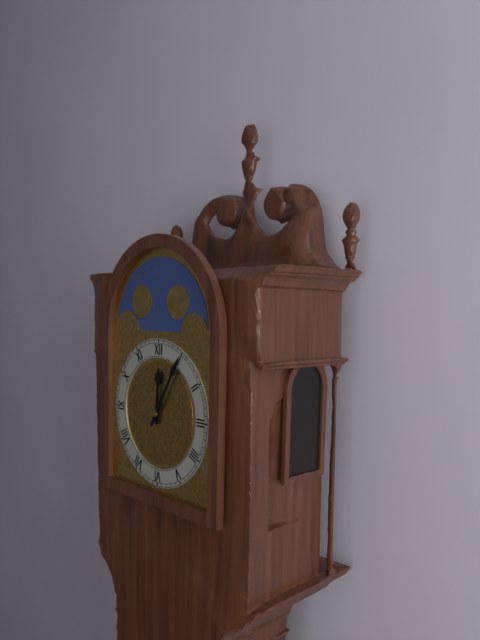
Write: 12:05
